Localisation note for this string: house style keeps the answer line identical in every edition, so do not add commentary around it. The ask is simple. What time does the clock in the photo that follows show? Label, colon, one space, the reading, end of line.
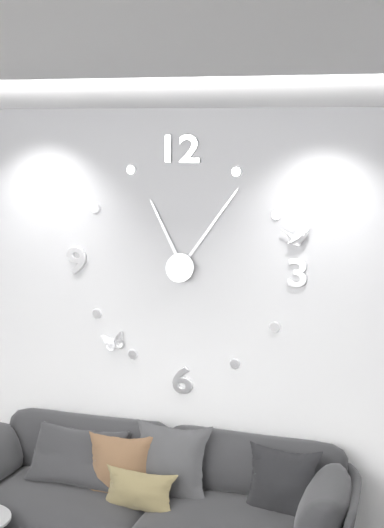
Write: 11:06
